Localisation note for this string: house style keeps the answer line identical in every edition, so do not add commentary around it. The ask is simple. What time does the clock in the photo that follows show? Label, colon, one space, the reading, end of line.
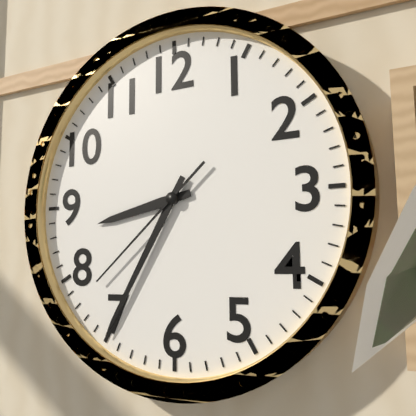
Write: 8:35:38
